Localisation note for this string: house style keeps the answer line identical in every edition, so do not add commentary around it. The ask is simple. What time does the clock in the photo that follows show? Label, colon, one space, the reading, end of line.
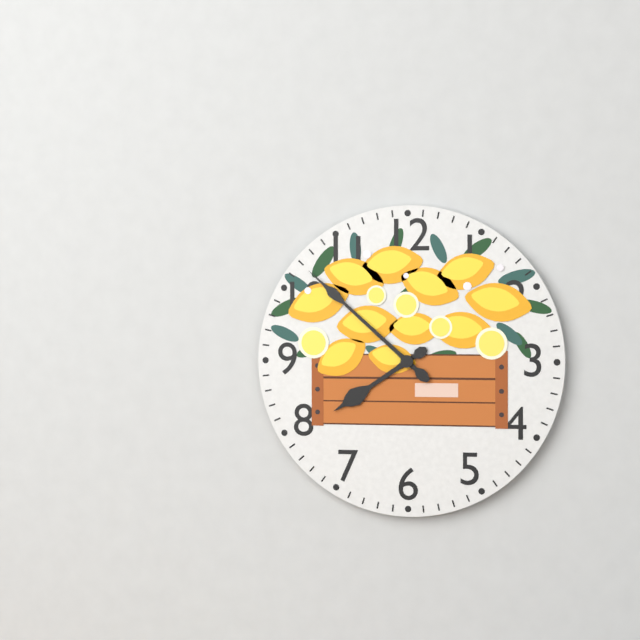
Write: 7:52
